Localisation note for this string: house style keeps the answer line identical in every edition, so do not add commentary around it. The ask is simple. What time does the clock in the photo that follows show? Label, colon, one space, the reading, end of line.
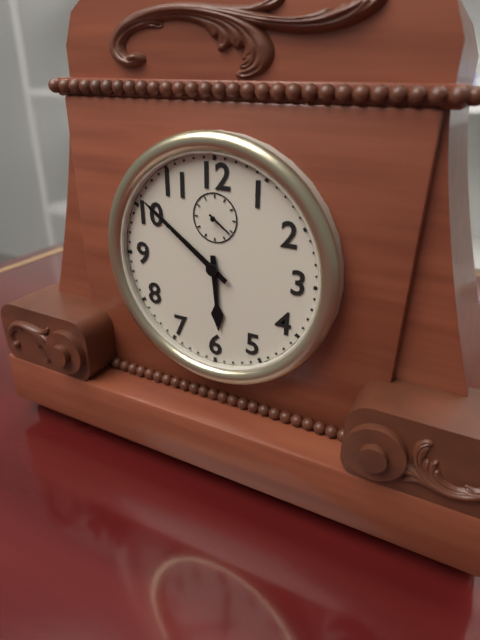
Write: 5:51
